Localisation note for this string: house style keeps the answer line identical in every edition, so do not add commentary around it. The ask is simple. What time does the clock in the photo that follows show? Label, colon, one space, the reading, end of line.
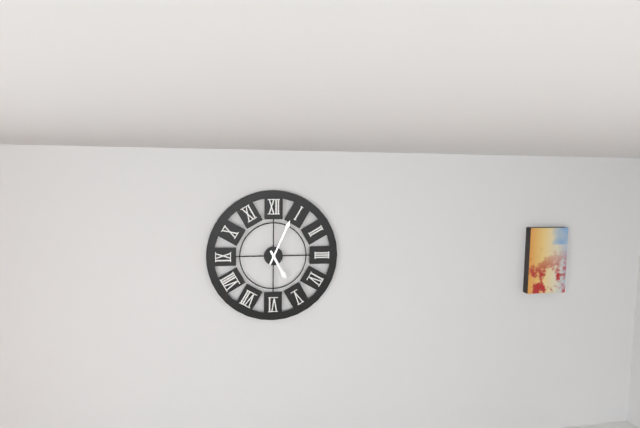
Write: 5:04
